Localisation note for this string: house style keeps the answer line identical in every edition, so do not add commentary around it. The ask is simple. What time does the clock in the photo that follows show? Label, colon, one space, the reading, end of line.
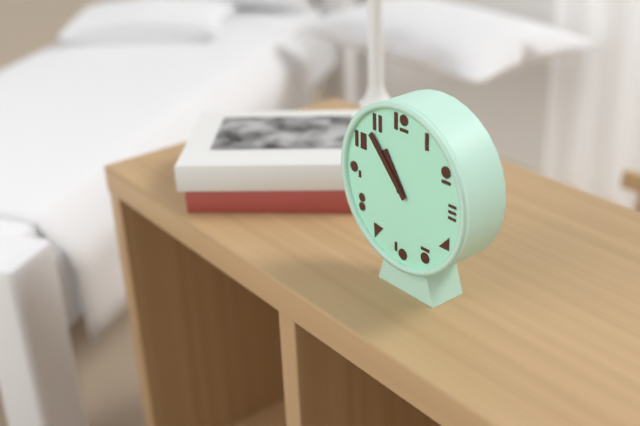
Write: 10:53
